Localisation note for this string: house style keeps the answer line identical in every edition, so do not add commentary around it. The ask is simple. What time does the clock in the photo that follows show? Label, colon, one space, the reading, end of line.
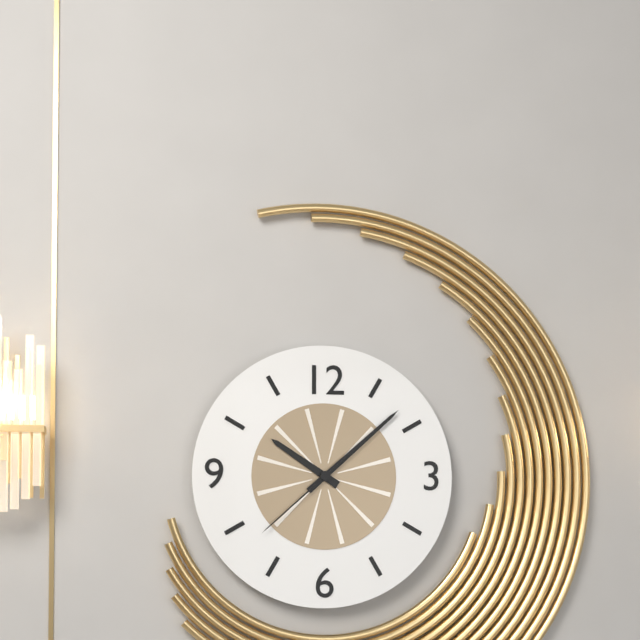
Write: 10:08:38
